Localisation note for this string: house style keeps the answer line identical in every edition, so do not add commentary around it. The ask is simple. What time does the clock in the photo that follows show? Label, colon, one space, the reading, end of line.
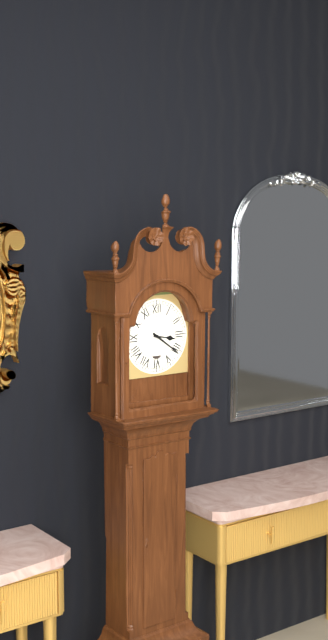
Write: 3:21
